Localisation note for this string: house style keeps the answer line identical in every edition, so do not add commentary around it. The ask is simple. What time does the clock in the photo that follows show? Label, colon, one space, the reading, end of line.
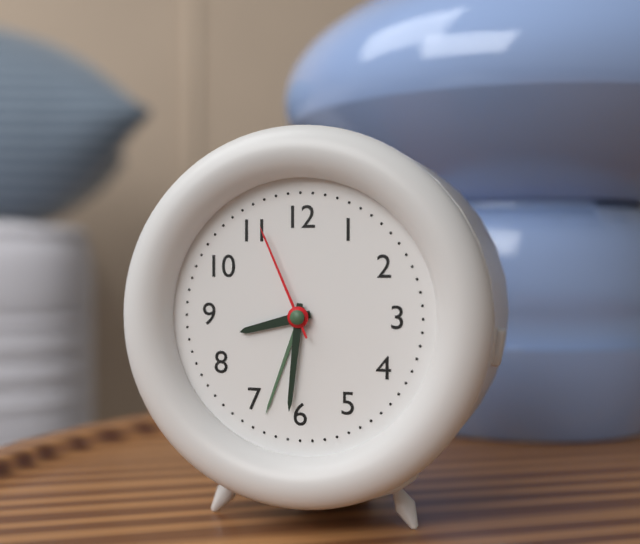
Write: 8:31:56
